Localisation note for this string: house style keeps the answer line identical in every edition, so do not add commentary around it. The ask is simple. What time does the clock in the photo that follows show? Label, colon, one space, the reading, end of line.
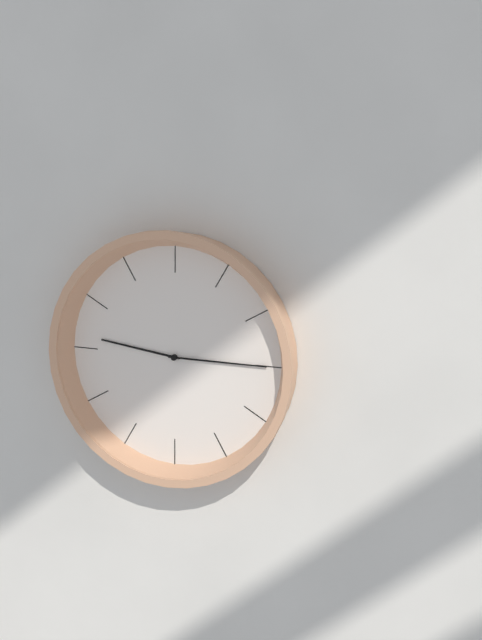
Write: 9:15
